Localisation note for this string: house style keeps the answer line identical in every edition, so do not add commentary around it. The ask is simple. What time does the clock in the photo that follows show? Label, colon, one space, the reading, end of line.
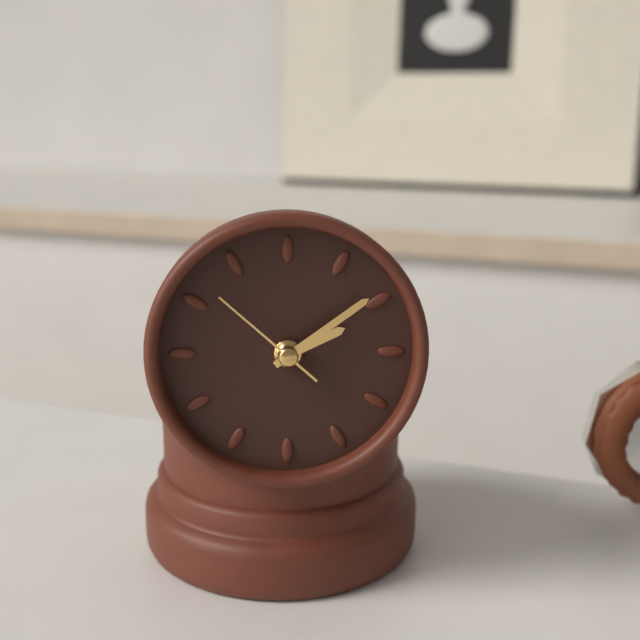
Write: 2:09:52
